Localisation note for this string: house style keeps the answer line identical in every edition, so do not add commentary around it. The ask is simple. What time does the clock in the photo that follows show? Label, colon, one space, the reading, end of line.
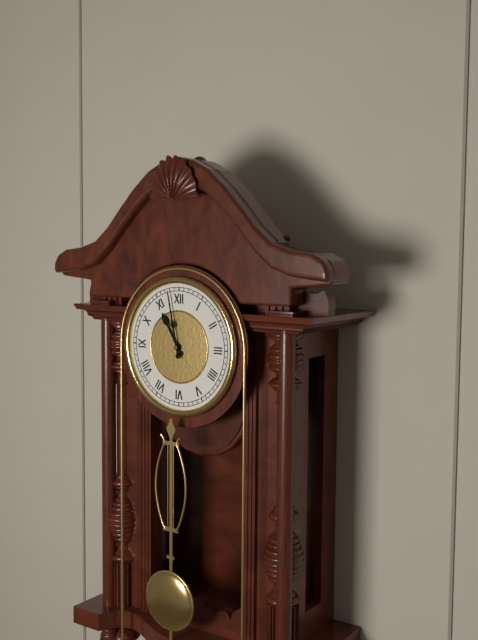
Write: 10:58
